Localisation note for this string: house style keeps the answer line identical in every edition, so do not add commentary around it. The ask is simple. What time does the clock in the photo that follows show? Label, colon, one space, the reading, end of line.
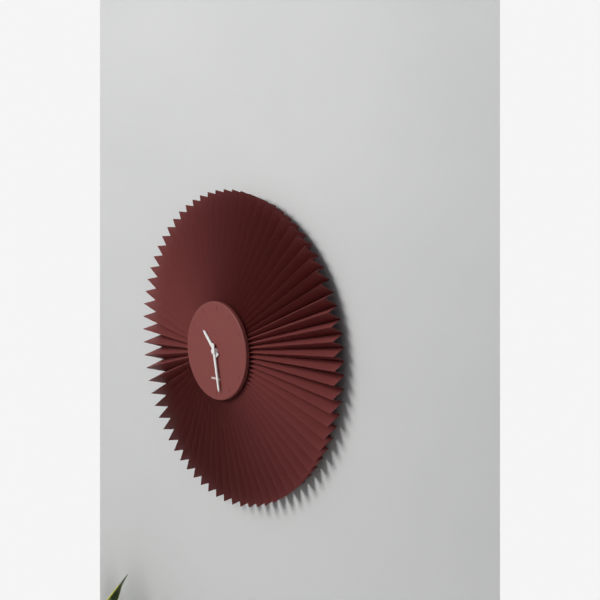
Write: 10:28
